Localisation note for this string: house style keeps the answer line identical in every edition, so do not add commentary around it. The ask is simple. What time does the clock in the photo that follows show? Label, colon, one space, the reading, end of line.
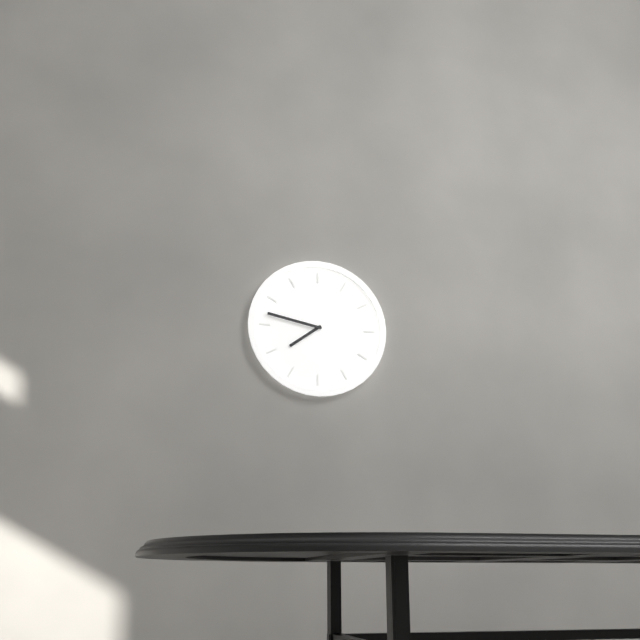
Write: 7:47
